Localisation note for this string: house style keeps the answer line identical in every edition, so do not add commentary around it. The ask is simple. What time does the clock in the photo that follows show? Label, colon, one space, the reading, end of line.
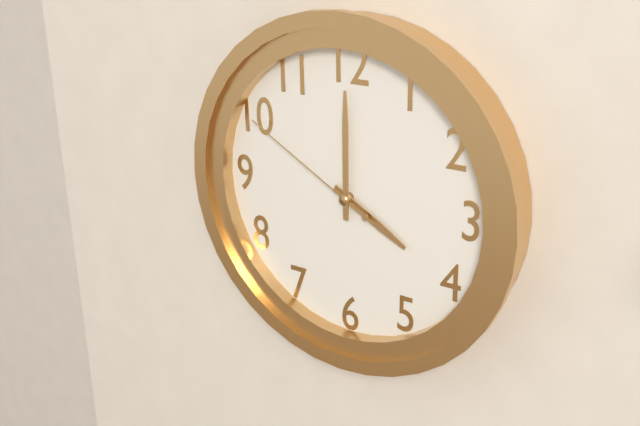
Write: 4:00:50
